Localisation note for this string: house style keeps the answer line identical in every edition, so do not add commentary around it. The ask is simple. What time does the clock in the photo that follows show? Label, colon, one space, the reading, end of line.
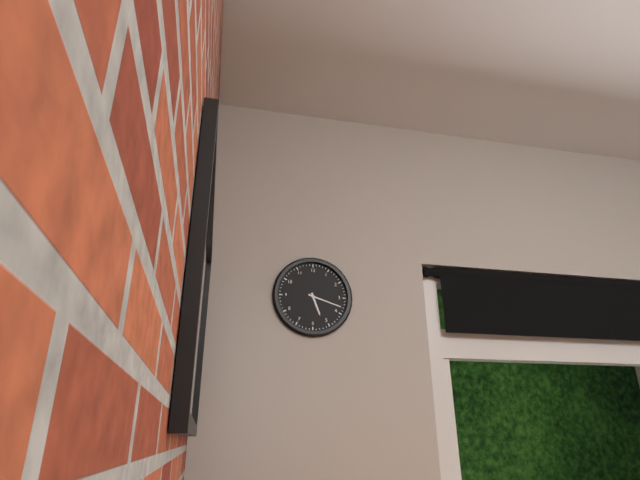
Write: 5:18
